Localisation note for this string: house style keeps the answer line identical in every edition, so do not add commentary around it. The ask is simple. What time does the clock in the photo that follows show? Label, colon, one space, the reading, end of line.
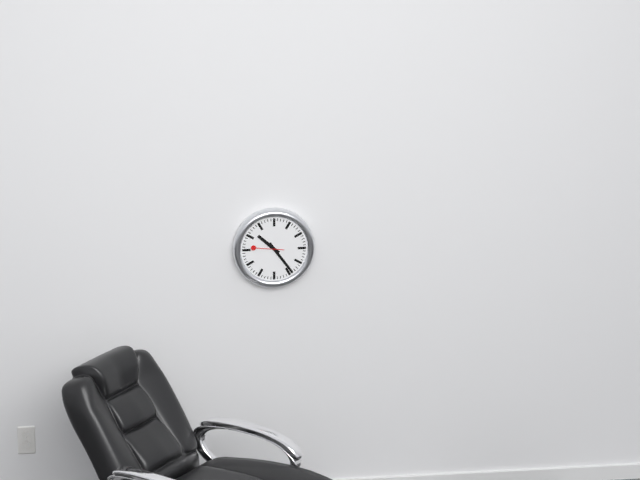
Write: 10:24
